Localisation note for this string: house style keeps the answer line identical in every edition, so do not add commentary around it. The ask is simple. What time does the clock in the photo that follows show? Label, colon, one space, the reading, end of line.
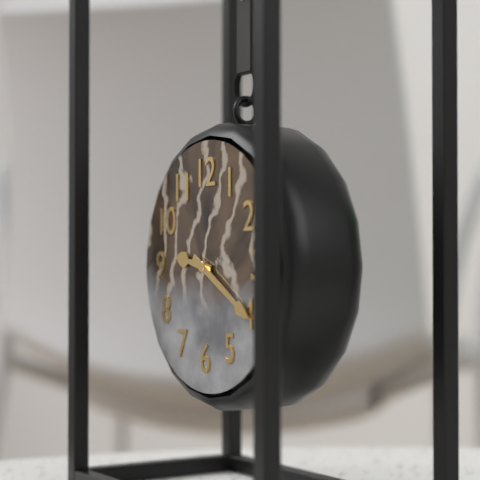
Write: 9:20
